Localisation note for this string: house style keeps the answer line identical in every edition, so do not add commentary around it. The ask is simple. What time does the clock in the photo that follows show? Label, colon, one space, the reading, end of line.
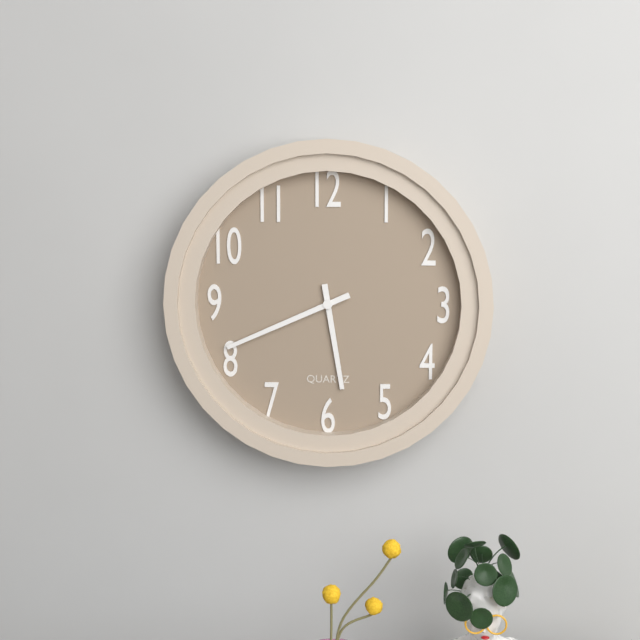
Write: 5:41
